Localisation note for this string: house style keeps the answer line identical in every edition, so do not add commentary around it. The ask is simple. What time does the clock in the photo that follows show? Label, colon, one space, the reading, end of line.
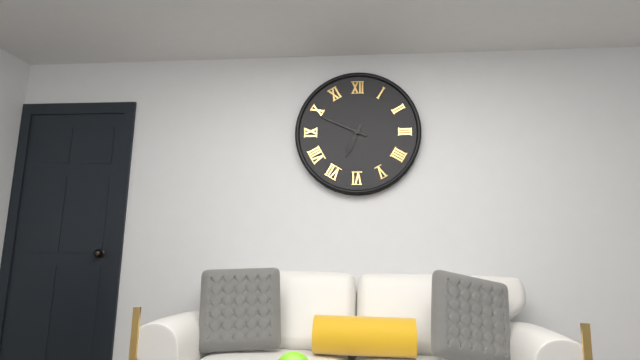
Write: 6:49
